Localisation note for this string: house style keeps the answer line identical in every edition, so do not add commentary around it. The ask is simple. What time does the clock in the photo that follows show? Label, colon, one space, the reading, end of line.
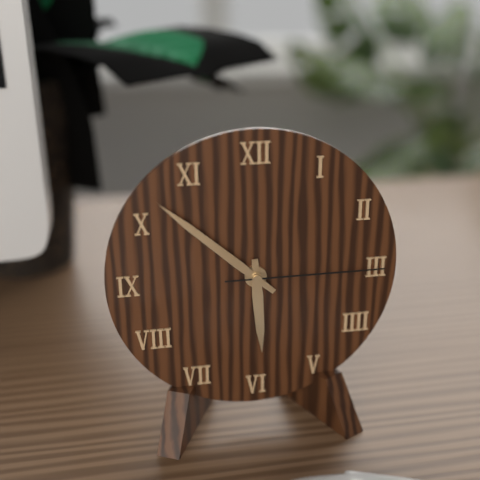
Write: 5:52:15
